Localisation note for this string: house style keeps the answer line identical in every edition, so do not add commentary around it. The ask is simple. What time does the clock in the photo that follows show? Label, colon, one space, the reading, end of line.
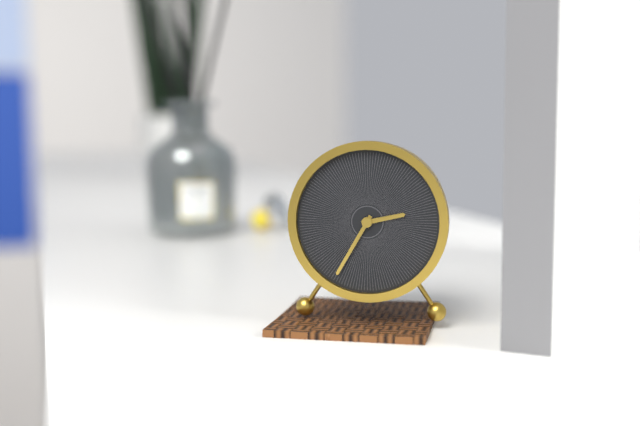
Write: 2:35
